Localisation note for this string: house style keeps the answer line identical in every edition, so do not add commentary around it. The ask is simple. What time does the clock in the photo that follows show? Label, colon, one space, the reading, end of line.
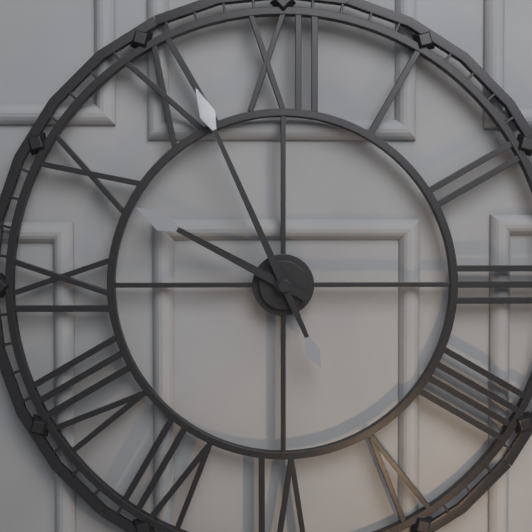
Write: 9:56
